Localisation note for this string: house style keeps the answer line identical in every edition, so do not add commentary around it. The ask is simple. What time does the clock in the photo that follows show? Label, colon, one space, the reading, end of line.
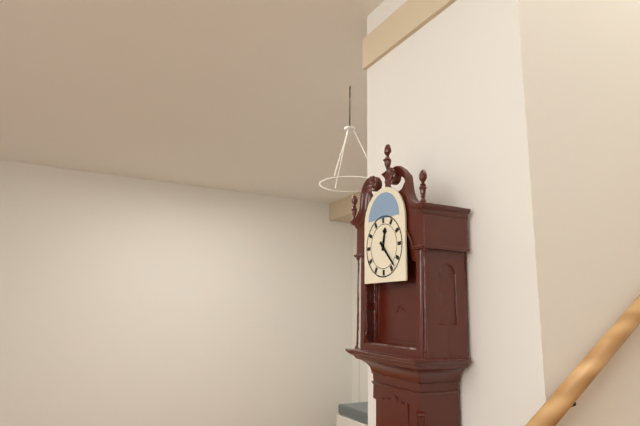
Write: 12:23
